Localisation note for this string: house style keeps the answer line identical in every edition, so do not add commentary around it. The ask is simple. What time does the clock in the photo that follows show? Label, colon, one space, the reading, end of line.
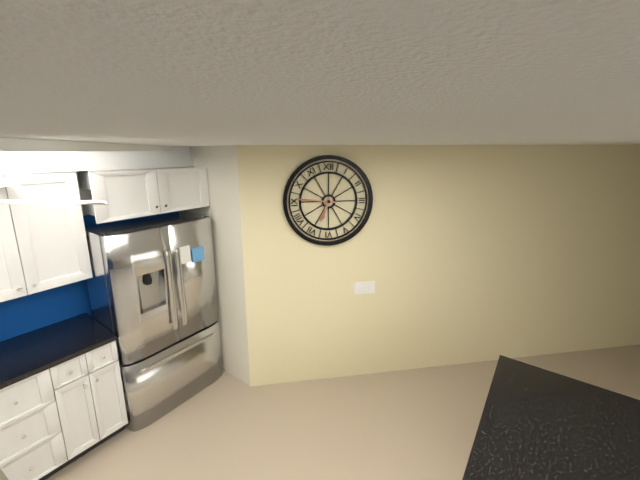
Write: 6:46
